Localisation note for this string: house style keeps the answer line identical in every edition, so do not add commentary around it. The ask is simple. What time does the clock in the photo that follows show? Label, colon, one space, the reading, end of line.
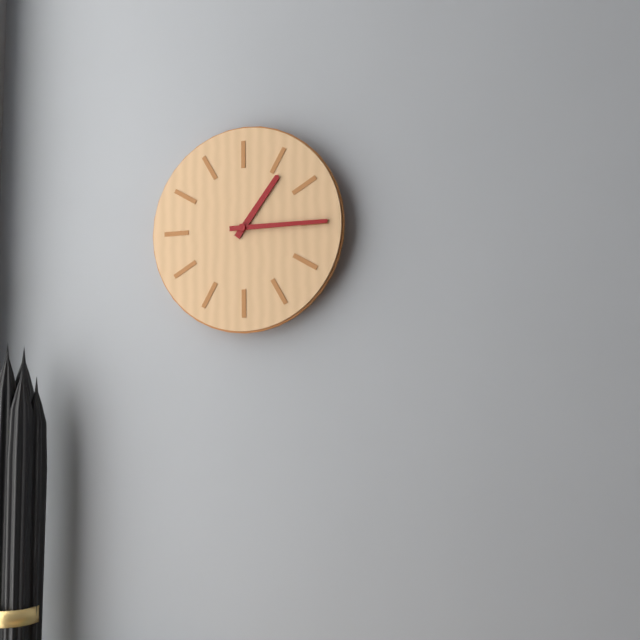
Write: 1:15
